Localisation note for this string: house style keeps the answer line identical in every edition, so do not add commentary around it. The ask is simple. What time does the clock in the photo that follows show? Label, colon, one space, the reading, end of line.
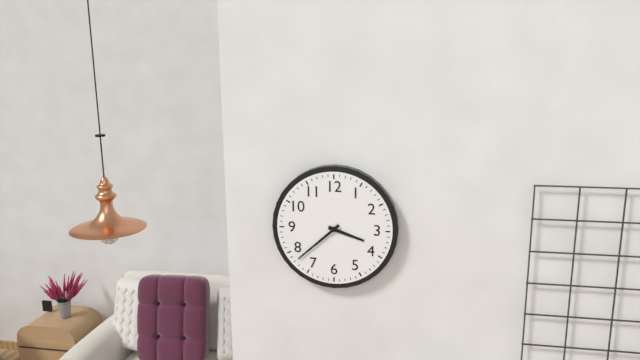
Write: 3:38
